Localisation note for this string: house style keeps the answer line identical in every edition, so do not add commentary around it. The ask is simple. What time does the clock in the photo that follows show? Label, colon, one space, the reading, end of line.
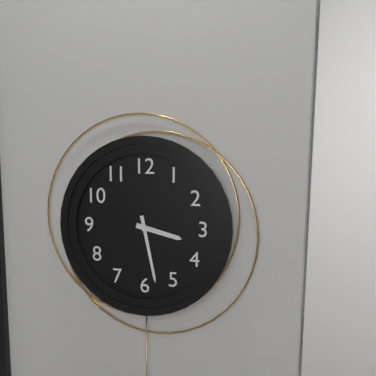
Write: 3:28
